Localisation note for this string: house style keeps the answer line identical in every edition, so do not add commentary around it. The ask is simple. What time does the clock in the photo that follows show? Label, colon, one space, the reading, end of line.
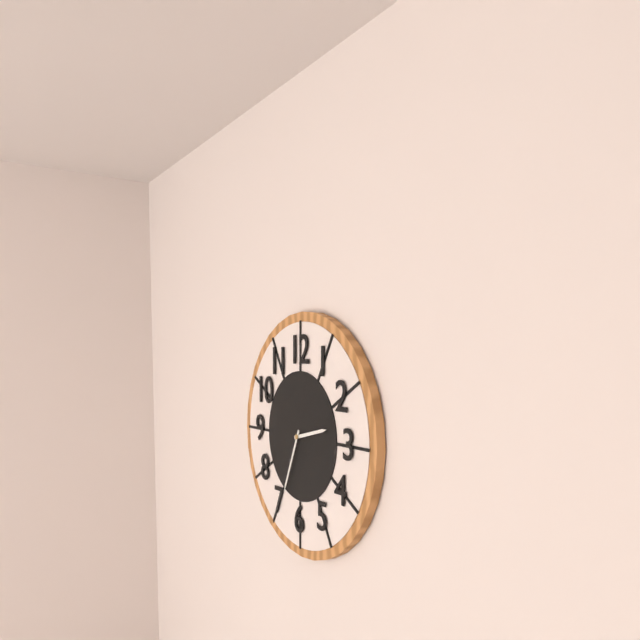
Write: 2:34
